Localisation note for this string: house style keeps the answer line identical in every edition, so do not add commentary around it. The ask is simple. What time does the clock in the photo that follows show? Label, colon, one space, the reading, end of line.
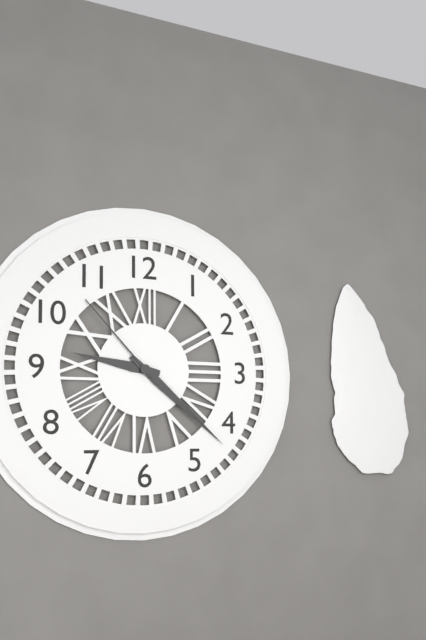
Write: 9:22:53
